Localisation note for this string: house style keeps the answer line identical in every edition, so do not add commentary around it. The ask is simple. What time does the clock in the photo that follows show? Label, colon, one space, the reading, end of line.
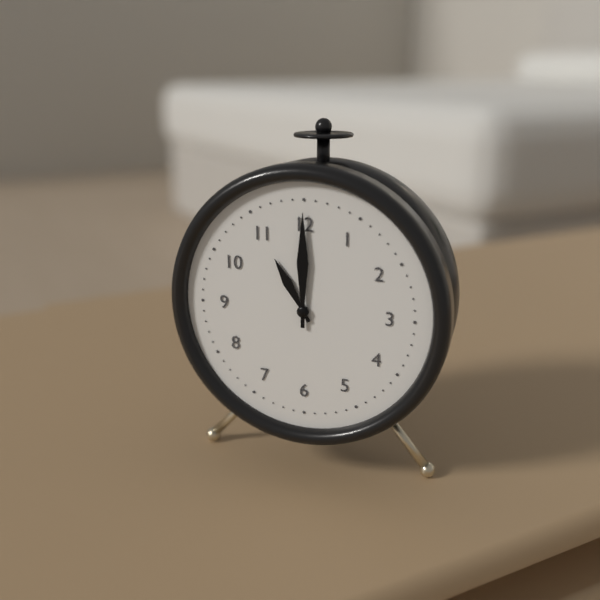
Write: 11:00
